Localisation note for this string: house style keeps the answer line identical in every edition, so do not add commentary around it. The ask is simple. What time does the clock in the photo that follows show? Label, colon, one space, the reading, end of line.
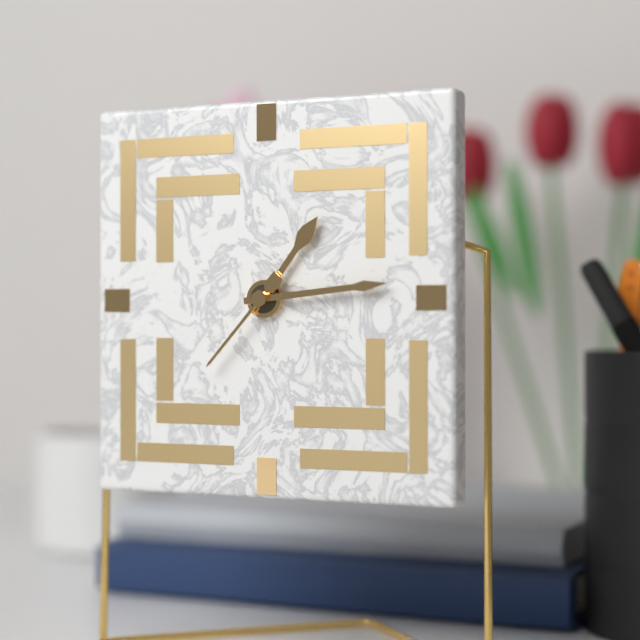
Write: 1:14:37
